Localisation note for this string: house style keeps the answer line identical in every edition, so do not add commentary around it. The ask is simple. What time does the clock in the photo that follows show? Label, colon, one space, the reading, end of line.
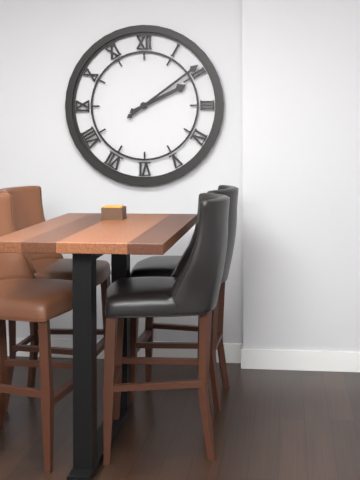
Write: 2:09
